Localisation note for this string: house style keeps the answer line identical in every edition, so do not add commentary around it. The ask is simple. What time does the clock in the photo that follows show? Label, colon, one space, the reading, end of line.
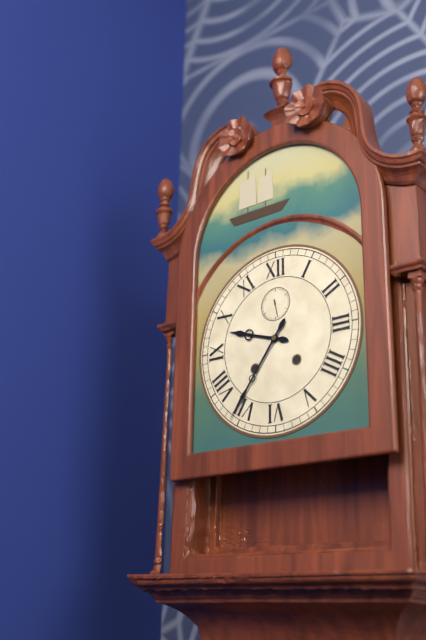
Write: 9:36
